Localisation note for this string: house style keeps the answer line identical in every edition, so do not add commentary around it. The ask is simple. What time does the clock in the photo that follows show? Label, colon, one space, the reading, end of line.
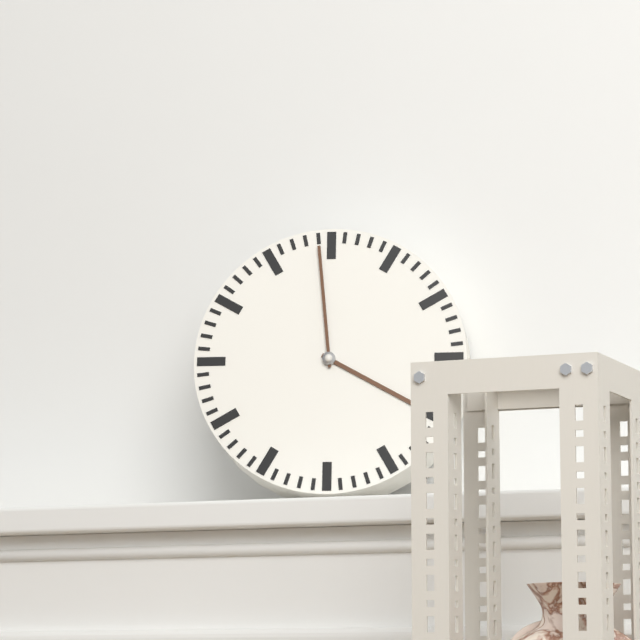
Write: 3:59
